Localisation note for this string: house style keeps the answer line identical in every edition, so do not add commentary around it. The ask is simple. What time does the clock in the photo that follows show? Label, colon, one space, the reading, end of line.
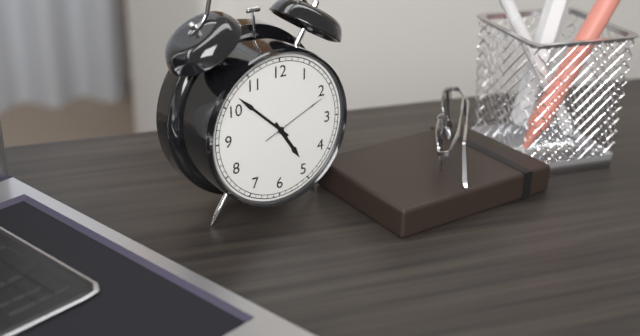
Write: 4:52:11
